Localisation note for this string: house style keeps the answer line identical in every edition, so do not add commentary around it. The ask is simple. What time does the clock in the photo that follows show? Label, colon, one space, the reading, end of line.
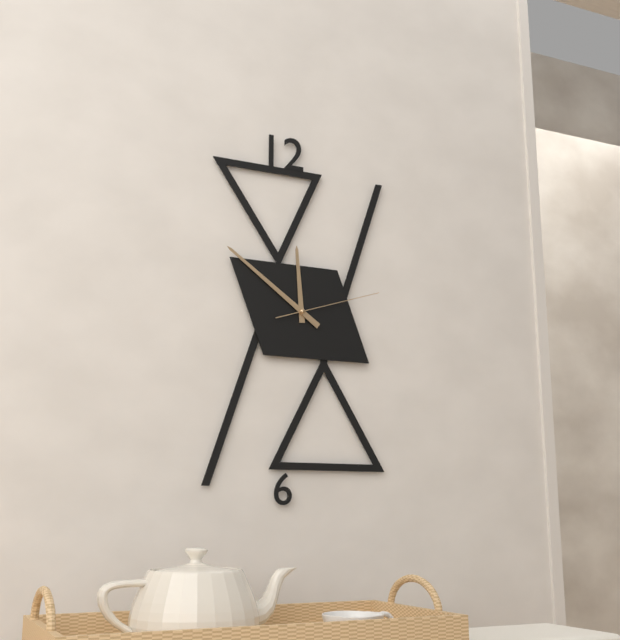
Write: 11:51:12
